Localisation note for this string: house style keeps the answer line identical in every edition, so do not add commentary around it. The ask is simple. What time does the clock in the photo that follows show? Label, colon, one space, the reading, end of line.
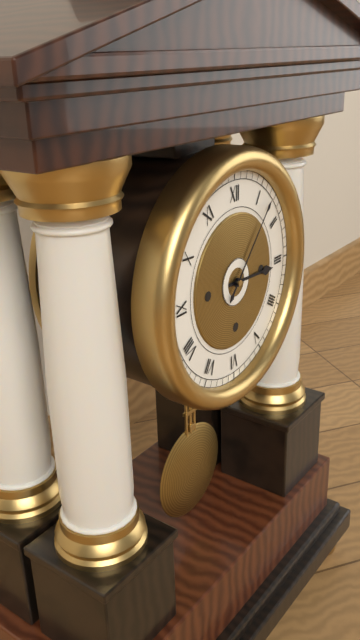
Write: 3:07
